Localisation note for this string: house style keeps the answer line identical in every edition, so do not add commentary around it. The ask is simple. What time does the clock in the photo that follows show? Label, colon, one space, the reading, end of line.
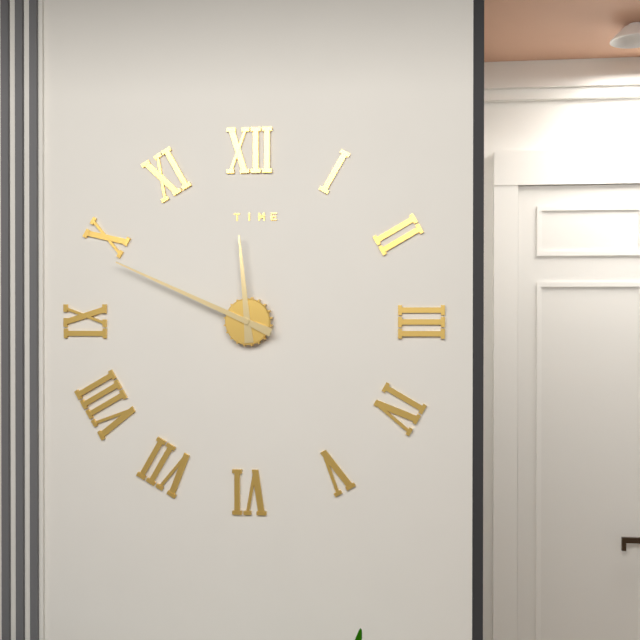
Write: 11:49
